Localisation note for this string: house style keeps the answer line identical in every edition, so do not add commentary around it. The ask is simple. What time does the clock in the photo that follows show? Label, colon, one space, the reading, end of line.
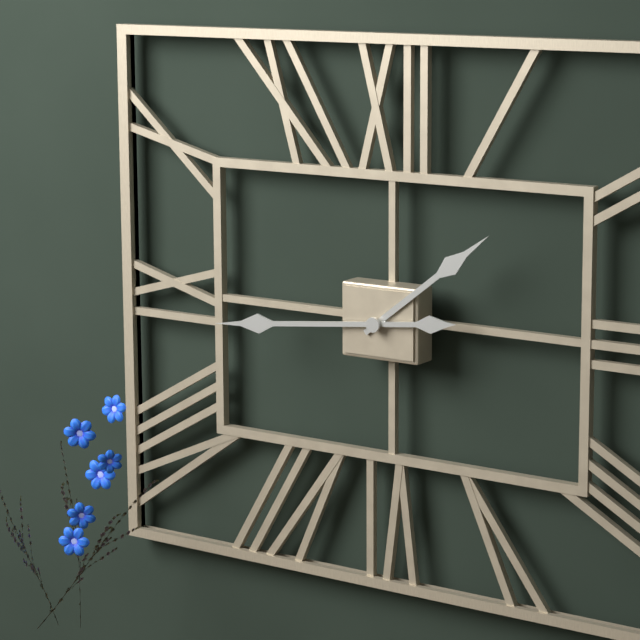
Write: 1:44
